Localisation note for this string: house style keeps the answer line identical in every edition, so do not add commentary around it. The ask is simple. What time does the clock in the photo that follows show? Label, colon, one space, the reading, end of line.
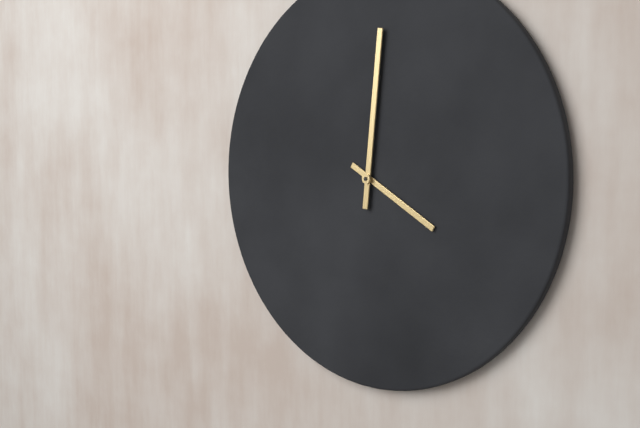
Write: 4:01
